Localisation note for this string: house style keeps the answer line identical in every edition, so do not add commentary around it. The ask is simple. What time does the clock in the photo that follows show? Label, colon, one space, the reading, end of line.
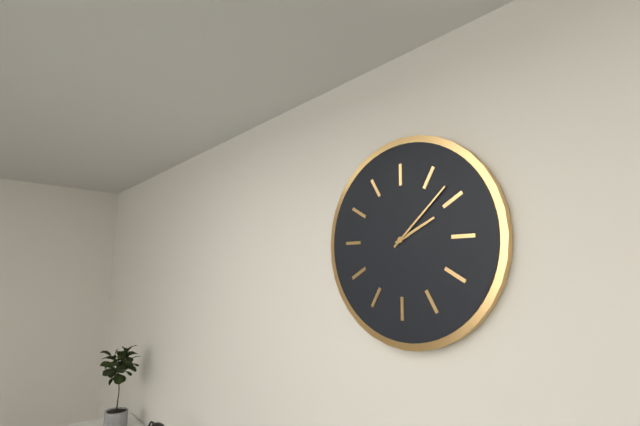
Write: 2:08
